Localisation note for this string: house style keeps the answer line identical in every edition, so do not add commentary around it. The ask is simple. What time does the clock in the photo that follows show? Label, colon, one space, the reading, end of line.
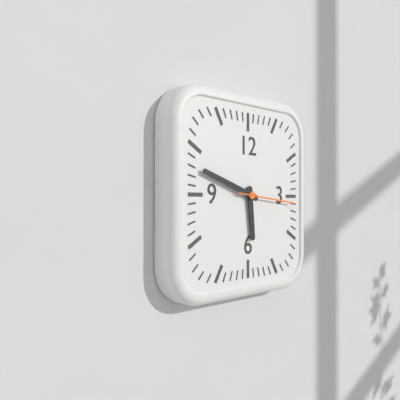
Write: 5:48:16
